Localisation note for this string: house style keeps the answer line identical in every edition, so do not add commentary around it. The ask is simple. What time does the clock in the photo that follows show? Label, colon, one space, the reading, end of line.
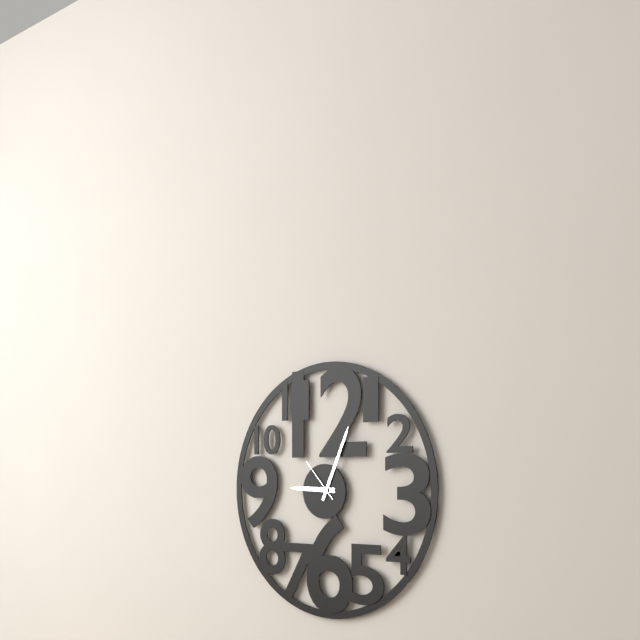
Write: 9:04
